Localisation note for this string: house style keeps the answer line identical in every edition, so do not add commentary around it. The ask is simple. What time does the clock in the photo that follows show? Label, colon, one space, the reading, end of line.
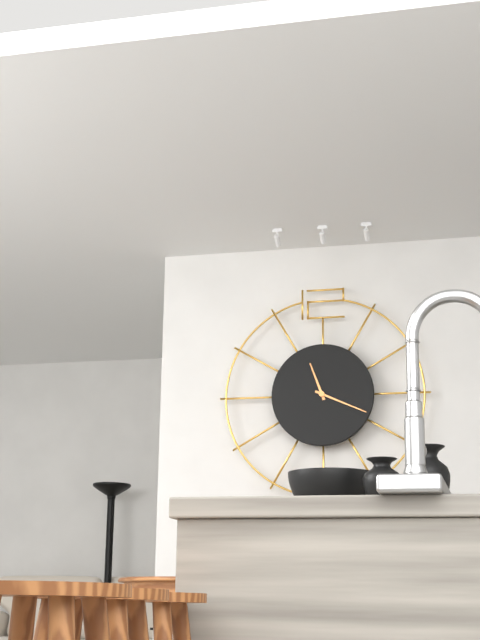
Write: 11:19
